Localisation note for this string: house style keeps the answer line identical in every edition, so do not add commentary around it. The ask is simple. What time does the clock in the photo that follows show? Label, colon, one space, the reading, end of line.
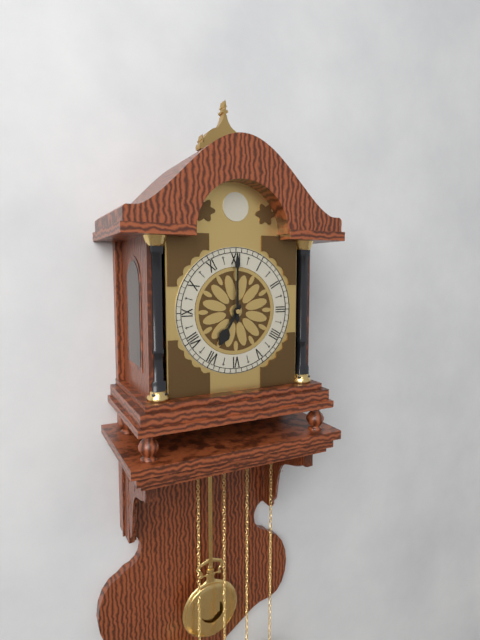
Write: 7:00
